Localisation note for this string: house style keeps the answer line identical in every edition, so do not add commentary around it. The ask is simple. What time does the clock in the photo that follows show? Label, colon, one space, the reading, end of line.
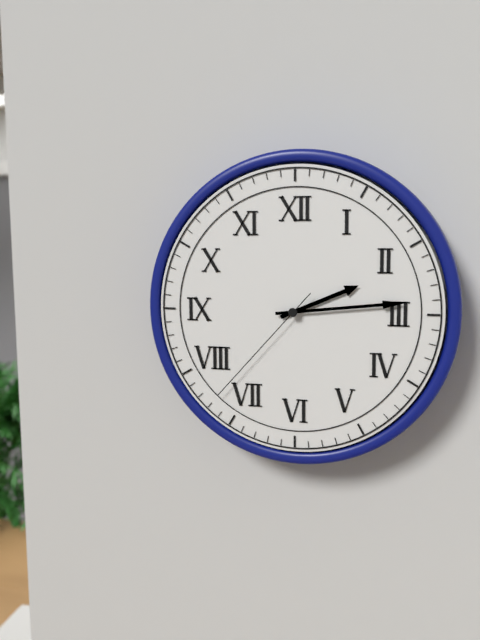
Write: 2:14:37
